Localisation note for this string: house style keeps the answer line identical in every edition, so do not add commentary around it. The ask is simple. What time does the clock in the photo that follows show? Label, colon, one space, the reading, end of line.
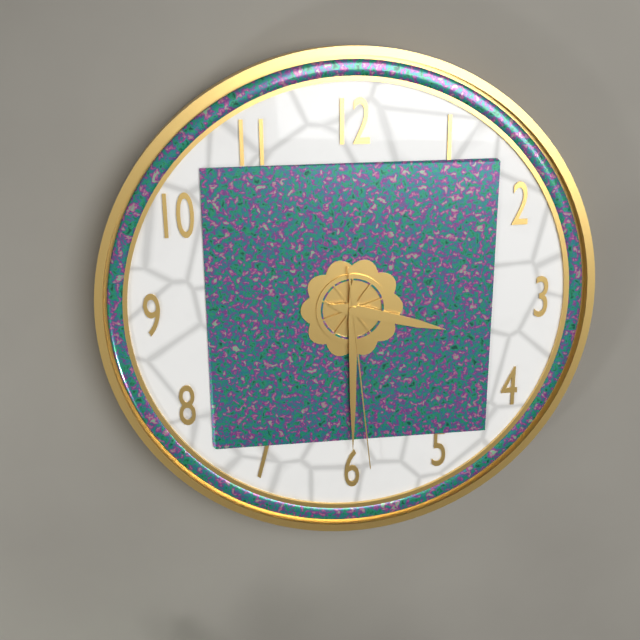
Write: 3:30:29
